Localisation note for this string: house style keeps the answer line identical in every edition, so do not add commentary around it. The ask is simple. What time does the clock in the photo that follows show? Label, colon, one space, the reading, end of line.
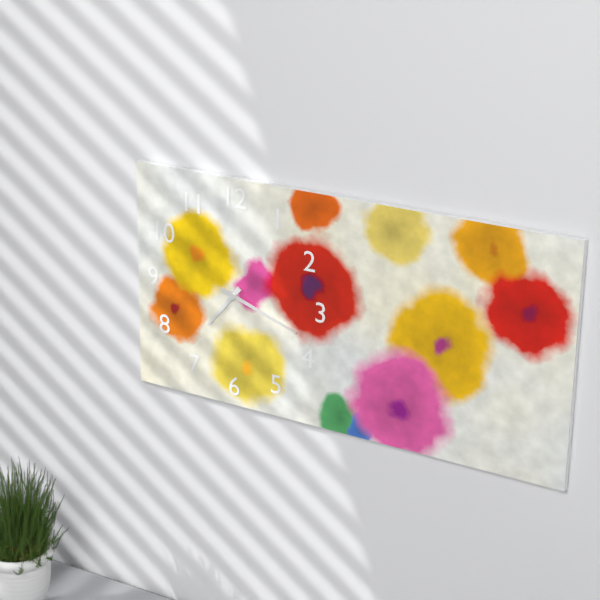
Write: 7:18
